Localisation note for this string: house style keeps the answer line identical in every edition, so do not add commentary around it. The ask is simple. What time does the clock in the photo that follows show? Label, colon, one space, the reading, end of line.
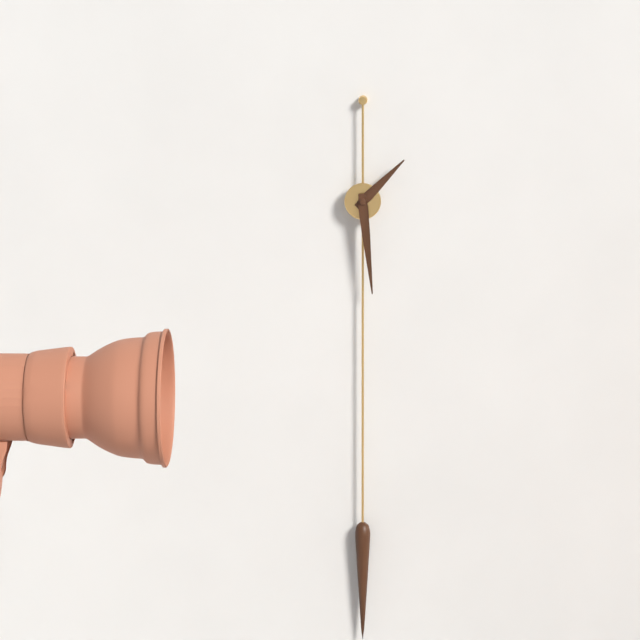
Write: 1:29
